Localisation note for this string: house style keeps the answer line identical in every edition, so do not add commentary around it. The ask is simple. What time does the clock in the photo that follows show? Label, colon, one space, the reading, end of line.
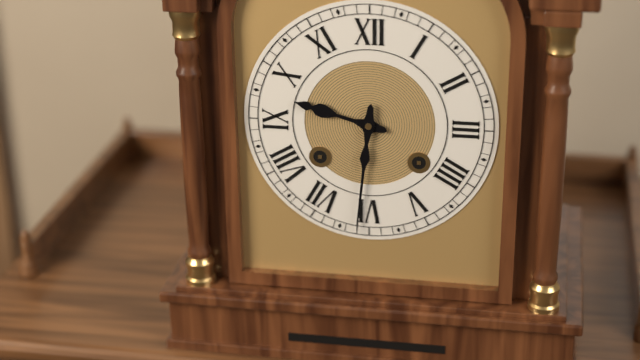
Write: 9:31
